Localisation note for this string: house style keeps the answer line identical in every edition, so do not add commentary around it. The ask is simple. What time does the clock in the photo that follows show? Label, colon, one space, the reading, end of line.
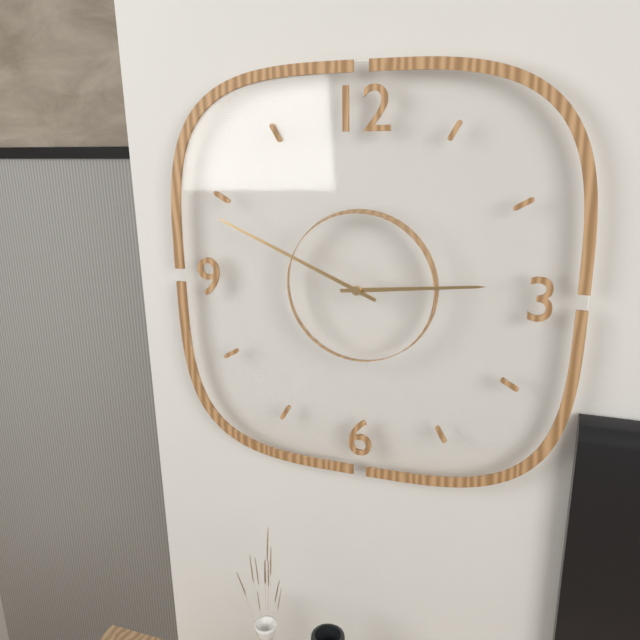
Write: 2:49
